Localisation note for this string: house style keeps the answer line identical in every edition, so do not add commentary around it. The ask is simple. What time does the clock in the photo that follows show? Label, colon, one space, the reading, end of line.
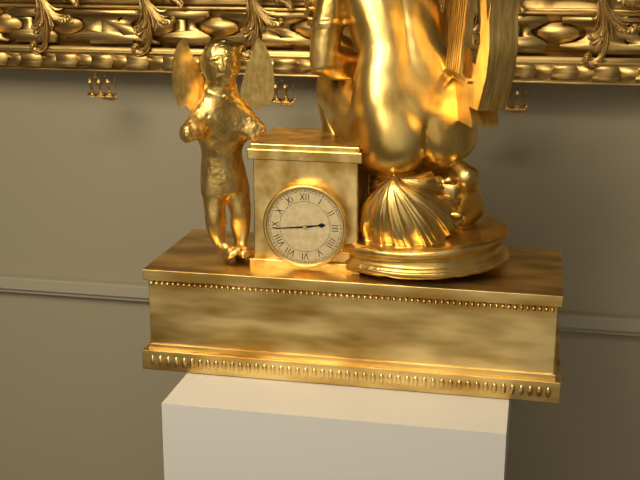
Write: 2:44
